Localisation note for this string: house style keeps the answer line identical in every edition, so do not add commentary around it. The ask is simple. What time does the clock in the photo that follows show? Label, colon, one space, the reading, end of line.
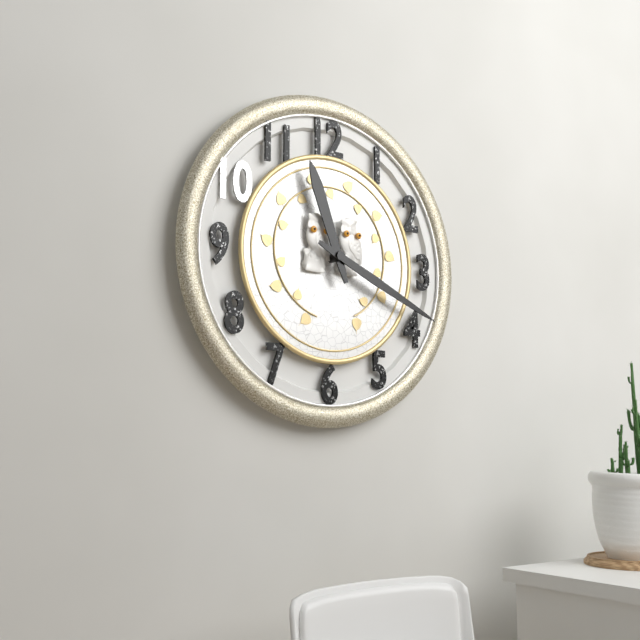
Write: 11:19
